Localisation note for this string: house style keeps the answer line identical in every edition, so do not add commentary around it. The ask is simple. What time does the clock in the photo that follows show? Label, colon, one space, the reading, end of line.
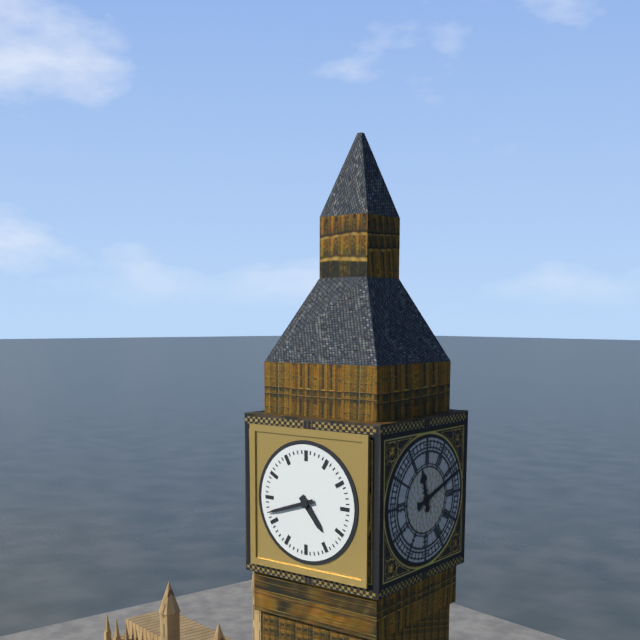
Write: 4:42
